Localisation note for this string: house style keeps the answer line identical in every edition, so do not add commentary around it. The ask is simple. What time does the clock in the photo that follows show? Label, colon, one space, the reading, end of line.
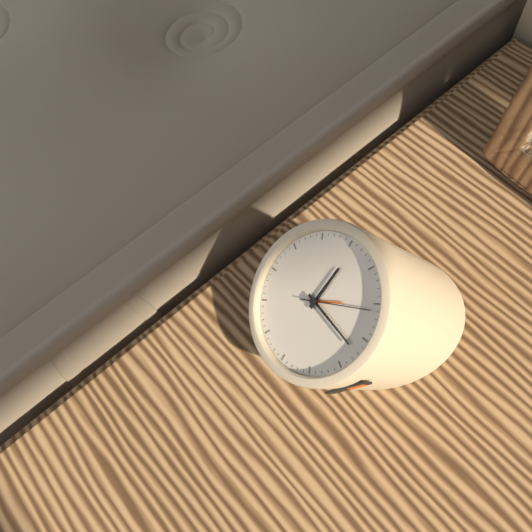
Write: 11:12:06
